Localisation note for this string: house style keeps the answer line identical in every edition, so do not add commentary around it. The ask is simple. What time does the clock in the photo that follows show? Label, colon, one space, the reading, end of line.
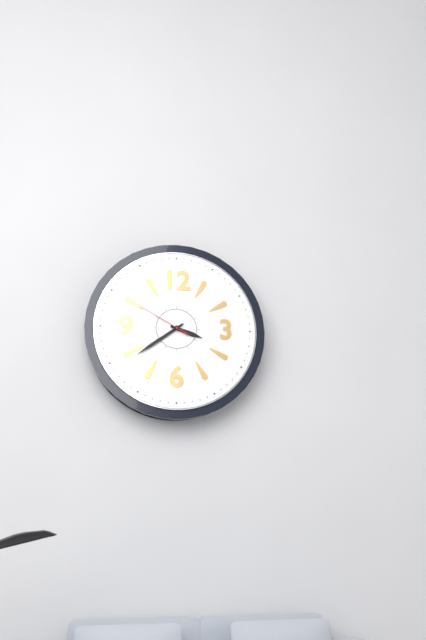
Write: 3:39:50
